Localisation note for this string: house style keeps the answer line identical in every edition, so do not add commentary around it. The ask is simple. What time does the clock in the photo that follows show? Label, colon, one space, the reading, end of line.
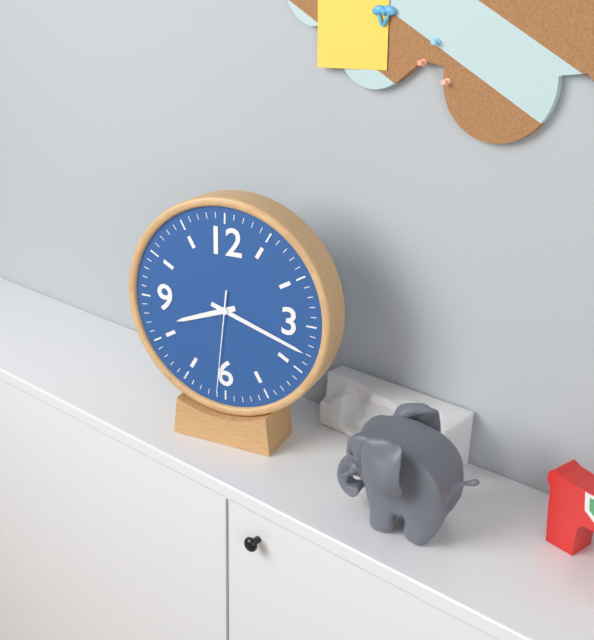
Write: 8:18:31
